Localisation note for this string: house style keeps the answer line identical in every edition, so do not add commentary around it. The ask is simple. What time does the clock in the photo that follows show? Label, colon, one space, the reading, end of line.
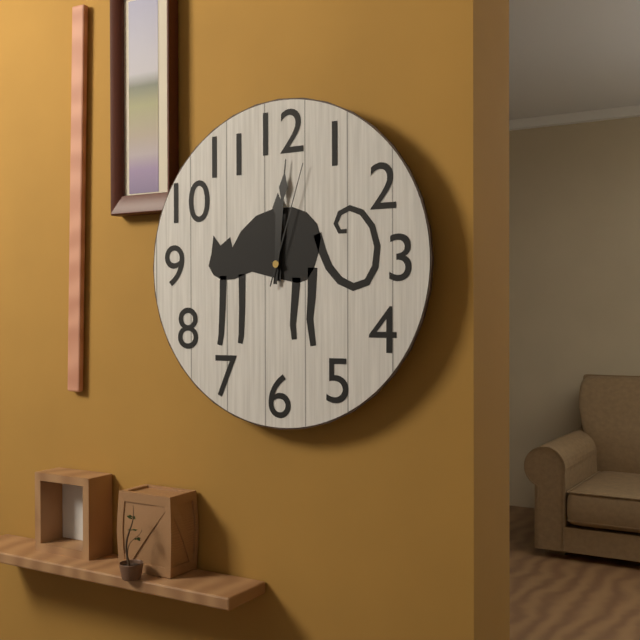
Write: 12:01:03
